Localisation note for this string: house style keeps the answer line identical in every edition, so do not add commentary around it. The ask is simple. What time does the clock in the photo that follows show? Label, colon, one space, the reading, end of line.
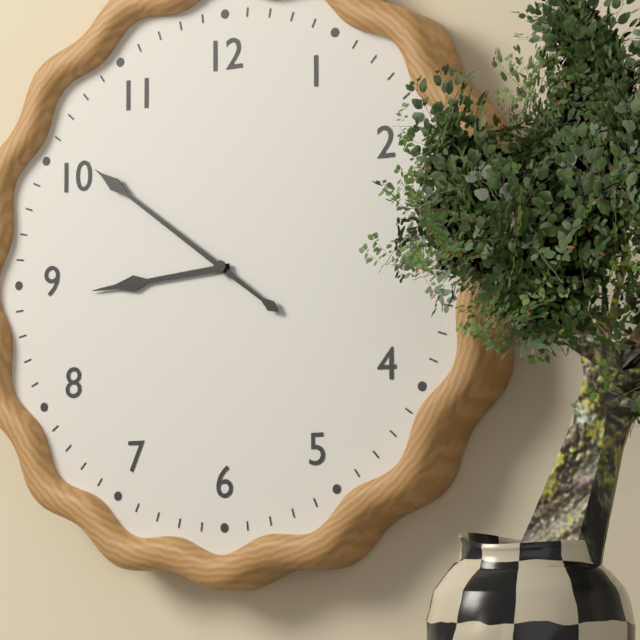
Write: 8:51
